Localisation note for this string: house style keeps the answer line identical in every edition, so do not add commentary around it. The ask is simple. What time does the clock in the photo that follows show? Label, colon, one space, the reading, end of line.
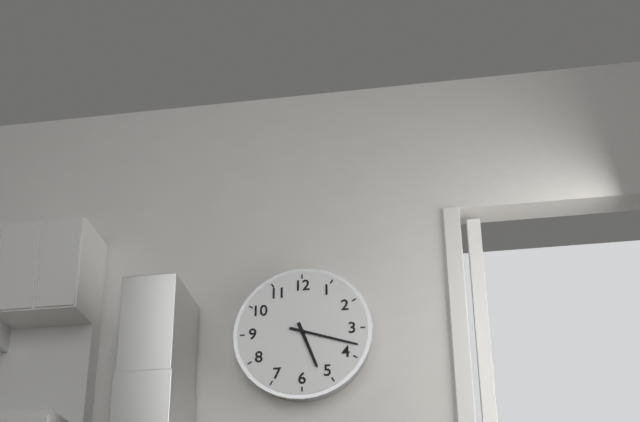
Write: 5:18
